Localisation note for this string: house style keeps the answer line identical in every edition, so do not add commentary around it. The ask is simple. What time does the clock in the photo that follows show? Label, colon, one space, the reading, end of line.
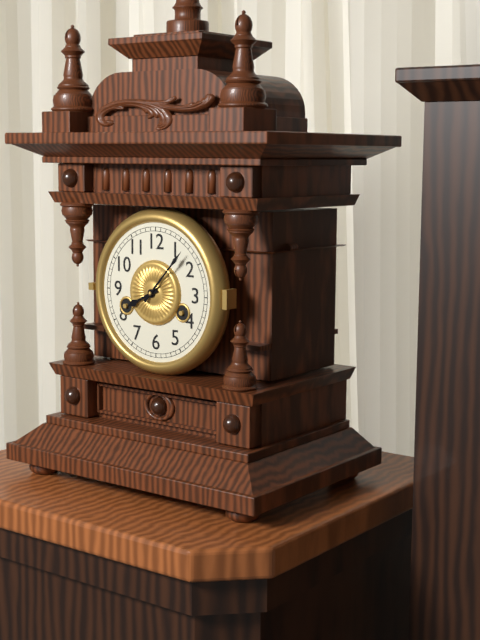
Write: 8:07
